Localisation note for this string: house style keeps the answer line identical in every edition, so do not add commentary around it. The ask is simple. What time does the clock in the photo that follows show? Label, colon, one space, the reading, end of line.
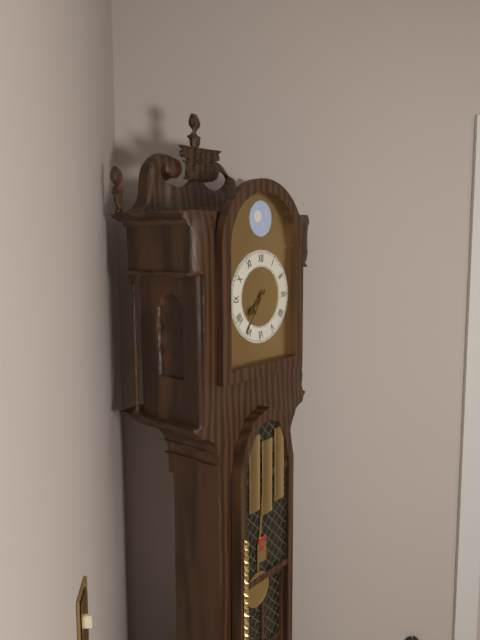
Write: 7:36
